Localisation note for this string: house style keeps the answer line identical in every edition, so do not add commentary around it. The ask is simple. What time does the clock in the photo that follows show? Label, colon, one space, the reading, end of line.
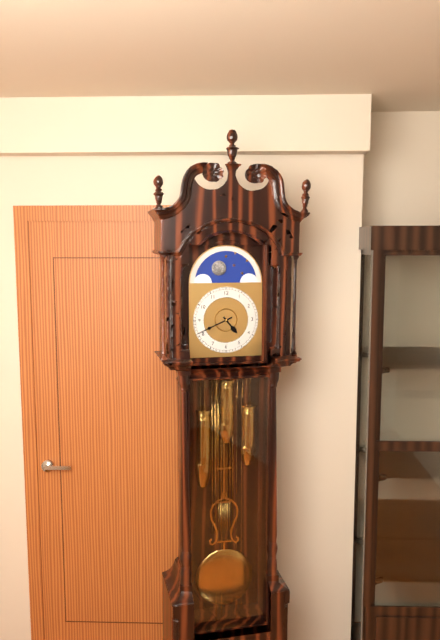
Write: 4:41
